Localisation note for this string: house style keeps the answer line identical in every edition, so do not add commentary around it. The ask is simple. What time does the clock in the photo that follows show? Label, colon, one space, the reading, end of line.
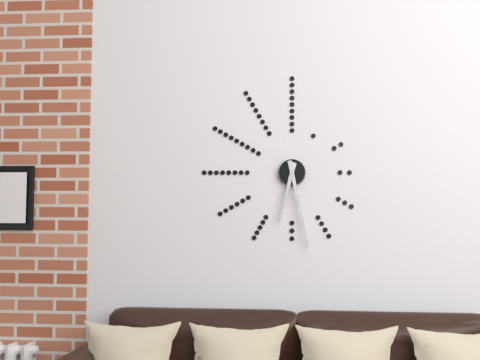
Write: 6:28
